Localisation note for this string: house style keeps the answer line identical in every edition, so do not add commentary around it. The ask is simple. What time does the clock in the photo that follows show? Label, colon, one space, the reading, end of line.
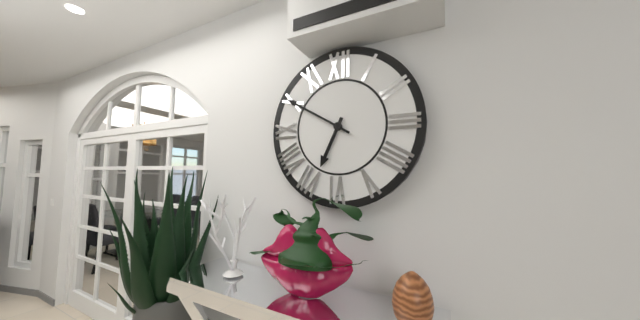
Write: 6:50
